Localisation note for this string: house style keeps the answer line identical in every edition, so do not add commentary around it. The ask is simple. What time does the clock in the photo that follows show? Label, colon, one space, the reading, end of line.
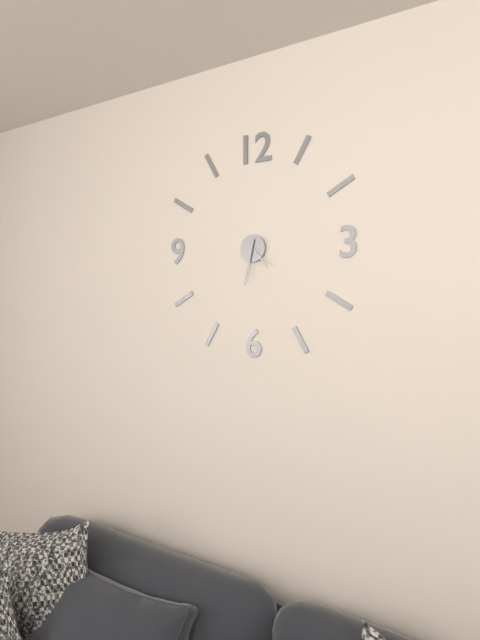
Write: 4:32
